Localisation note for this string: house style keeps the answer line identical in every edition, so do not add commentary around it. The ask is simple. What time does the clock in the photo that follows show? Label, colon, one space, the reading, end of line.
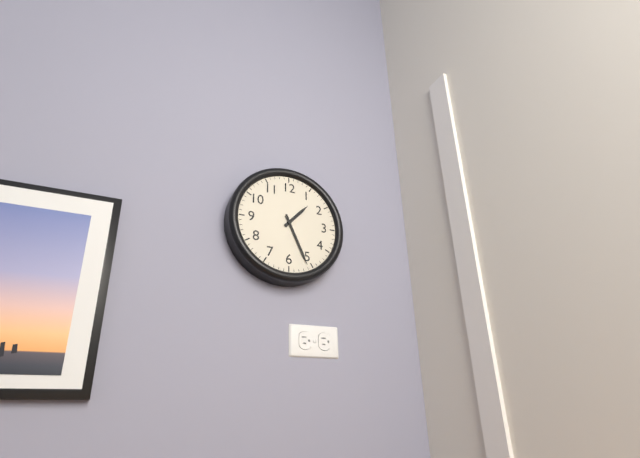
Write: 1:26
